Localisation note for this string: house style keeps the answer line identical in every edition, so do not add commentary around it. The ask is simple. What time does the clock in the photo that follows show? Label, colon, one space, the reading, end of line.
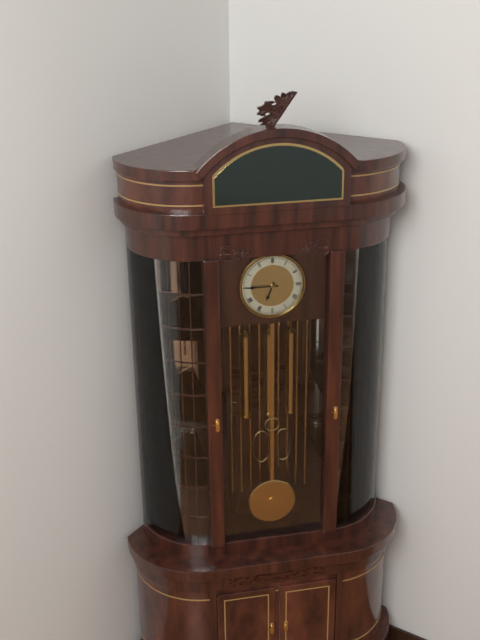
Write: 6:45
